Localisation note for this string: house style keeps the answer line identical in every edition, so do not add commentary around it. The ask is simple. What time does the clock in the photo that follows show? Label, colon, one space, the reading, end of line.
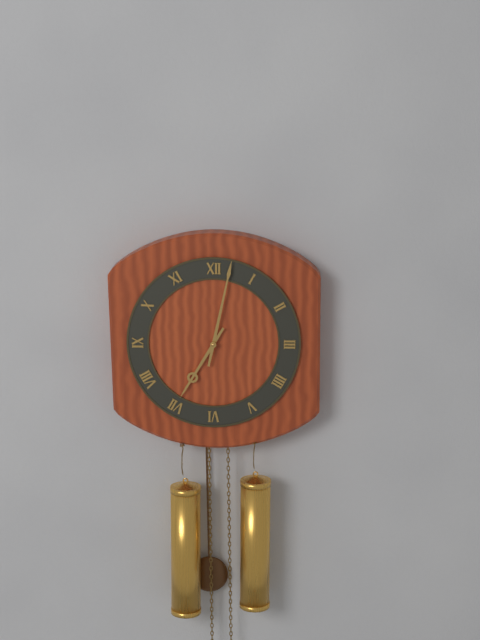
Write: 7:02
